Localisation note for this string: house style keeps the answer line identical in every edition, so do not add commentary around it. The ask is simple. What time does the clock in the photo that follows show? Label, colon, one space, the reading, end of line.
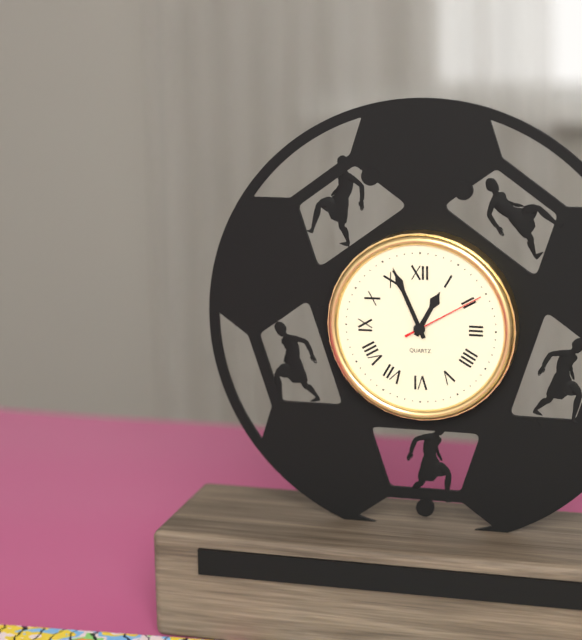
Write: 12:56:10
